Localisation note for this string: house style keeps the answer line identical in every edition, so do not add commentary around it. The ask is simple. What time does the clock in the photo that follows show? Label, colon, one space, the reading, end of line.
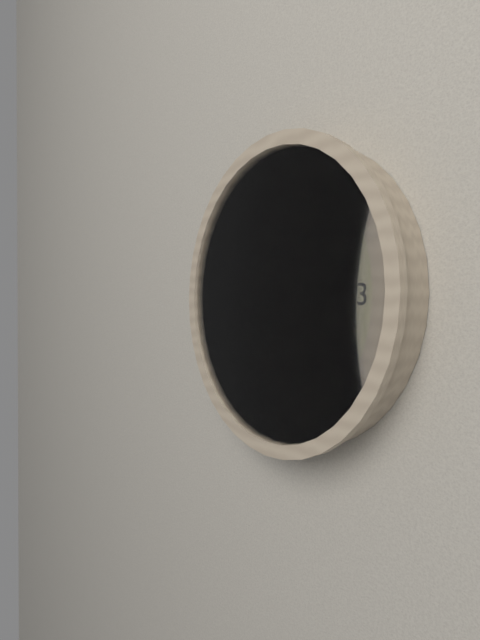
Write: 3:23:05
